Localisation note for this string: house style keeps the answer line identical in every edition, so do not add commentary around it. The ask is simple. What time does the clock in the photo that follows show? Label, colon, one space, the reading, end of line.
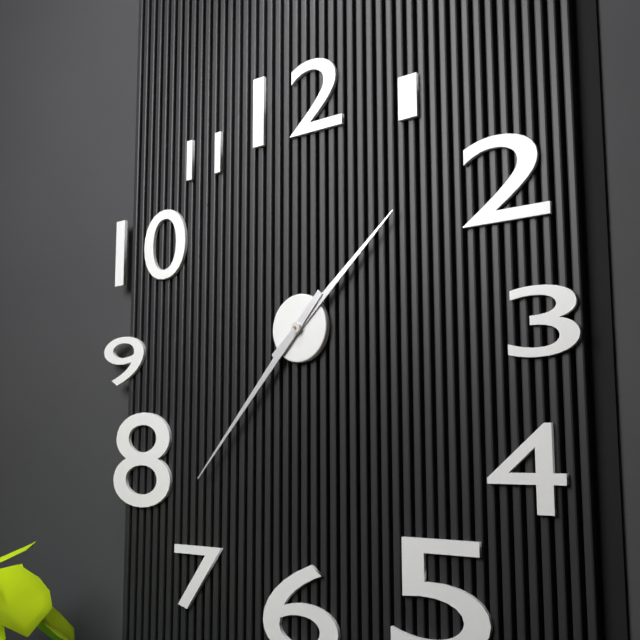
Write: 1:37
